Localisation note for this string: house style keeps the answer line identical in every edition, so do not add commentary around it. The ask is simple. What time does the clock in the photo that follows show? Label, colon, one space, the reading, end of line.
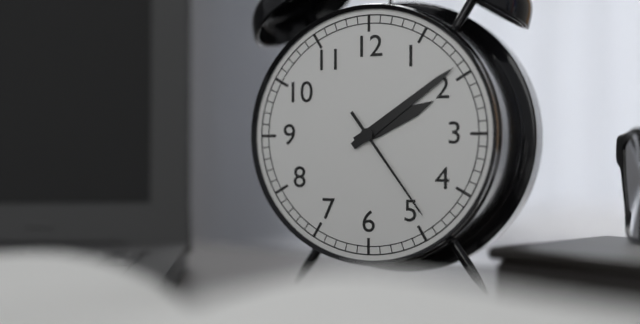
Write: 2:09:24
